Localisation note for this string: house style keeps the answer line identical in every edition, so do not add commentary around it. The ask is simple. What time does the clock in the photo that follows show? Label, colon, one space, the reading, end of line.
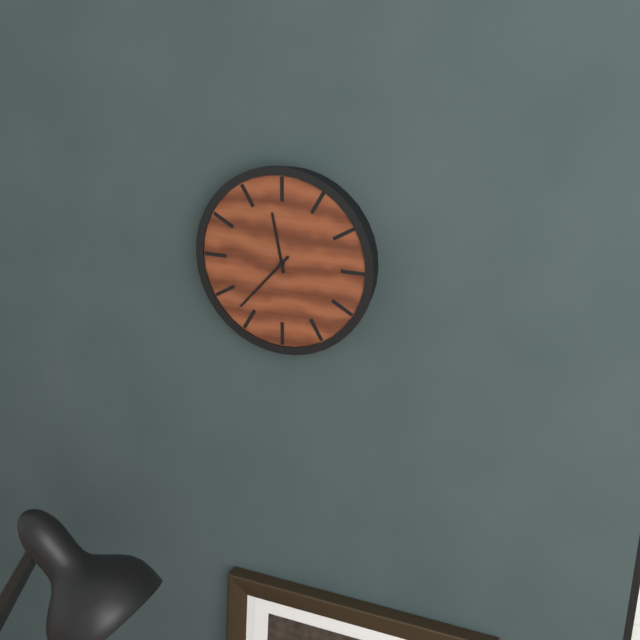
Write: 11:37
